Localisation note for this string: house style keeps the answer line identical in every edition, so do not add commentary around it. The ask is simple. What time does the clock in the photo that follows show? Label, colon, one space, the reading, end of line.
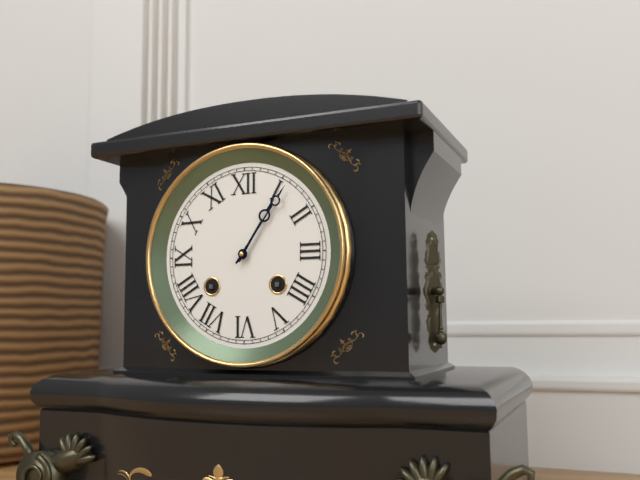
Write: 1:06
